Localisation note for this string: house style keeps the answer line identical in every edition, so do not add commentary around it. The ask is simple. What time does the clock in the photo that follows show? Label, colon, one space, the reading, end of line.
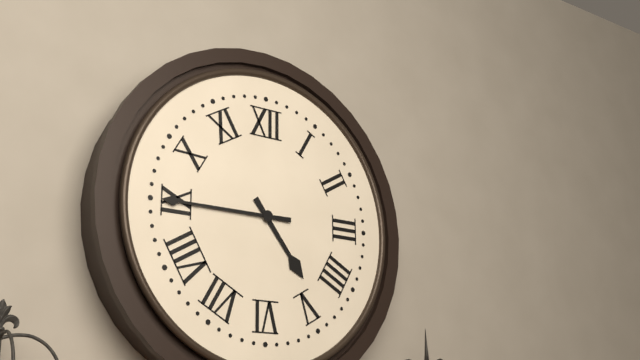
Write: 4:45
